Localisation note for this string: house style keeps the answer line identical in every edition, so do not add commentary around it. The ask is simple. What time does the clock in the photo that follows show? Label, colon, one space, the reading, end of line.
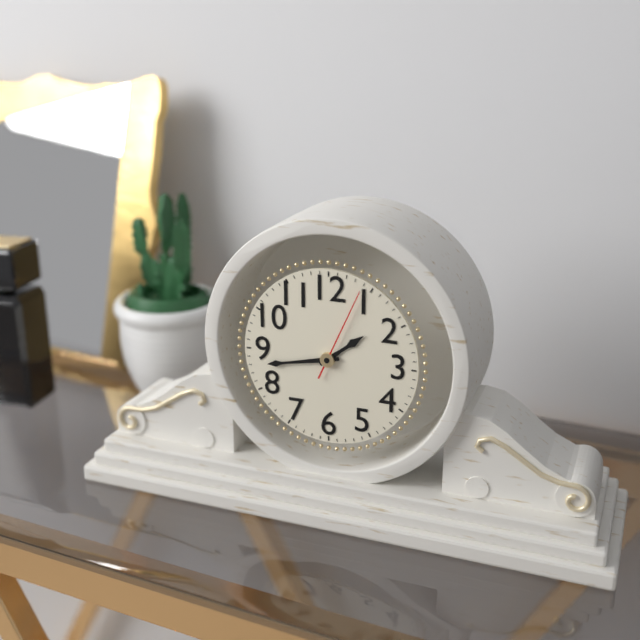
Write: 1:43:04
